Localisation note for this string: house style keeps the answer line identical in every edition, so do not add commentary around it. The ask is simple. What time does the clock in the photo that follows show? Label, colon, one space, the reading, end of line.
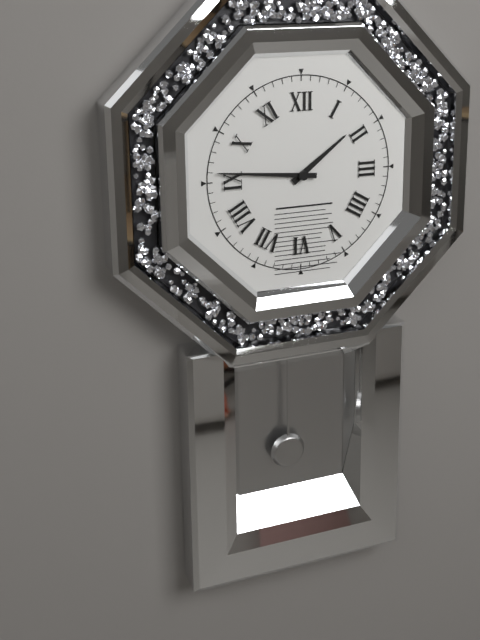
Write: 1:46
